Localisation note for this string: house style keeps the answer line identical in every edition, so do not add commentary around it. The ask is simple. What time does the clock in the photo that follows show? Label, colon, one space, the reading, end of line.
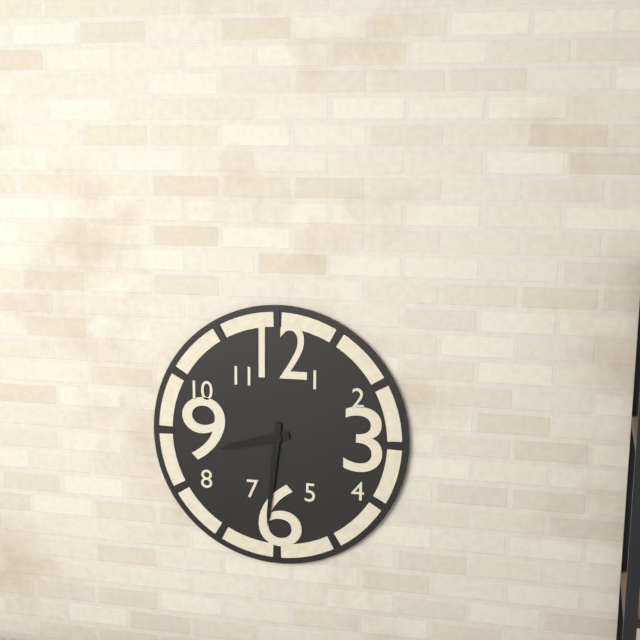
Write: 8:31
